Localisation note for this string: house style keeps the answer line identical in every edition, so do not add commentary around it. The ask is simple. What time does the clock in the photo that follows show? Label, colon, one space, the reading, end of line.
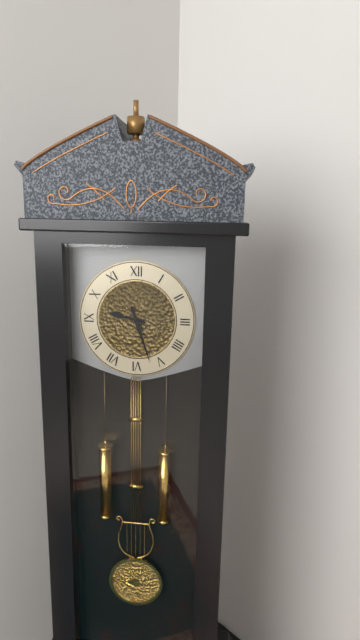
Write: 9:27
